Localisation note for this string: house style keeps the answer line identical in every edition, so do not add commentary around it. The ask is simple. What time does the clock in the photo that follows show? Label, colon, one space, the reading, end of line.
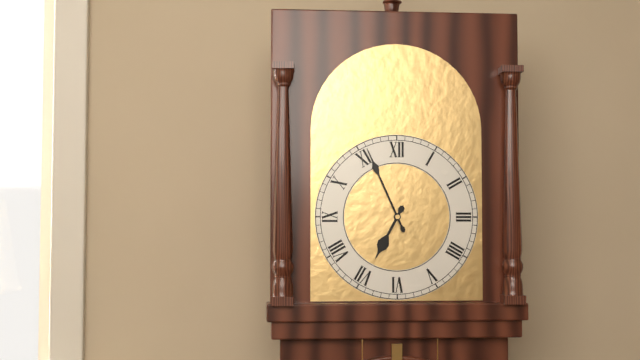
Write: 6:56
